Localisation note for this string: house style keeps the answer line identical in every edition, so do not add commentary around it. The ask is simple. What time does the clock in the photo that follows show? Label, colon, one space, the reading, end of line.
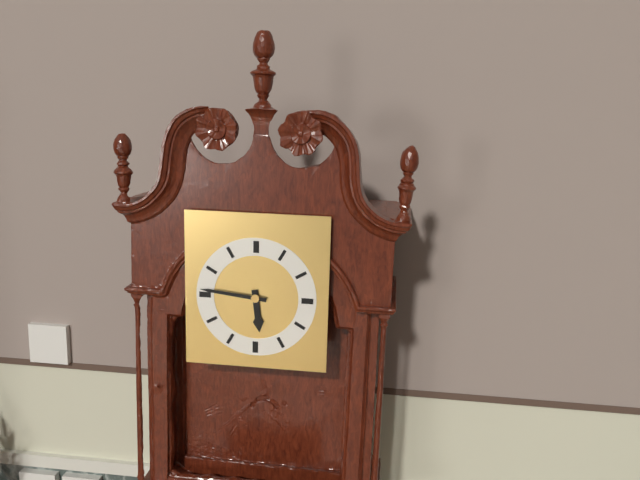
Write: 5:46
